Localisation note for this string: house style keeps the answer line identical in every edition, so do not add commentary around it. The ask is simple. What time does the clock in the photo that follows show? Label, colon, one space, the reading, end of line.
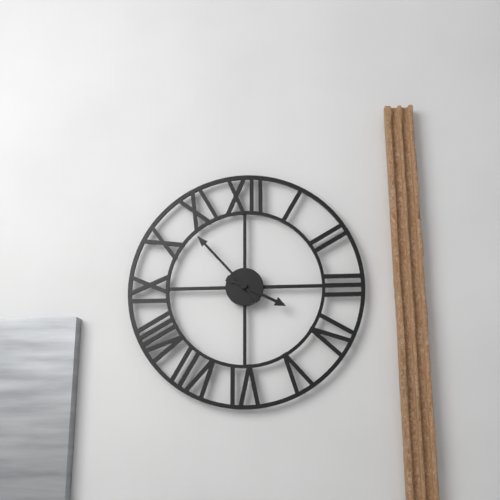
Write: 3:53
